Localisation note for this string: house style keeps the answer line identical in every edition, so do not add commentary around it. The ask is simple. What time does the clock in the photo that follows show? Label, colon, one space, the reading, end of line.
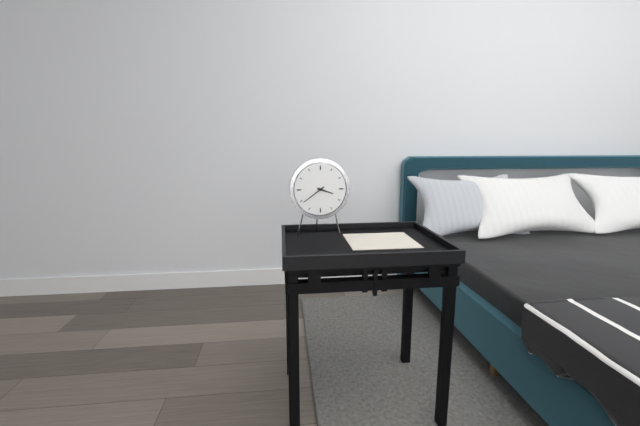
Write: 3:39
